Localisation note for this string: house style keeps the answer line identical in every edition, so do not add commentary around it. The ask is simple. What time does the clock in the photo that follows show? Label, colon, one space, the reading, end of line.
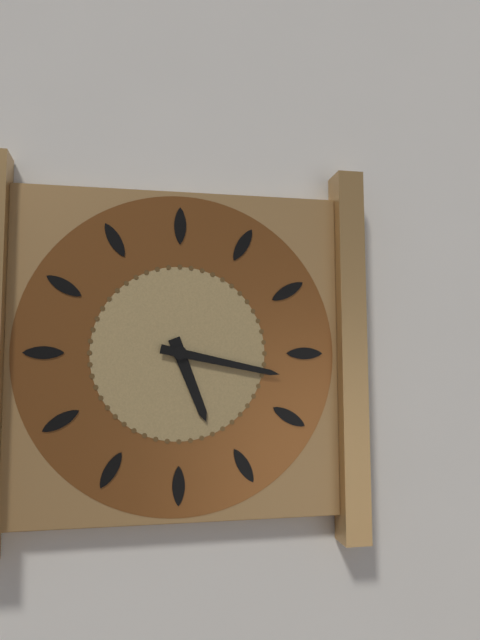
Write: 5:17
